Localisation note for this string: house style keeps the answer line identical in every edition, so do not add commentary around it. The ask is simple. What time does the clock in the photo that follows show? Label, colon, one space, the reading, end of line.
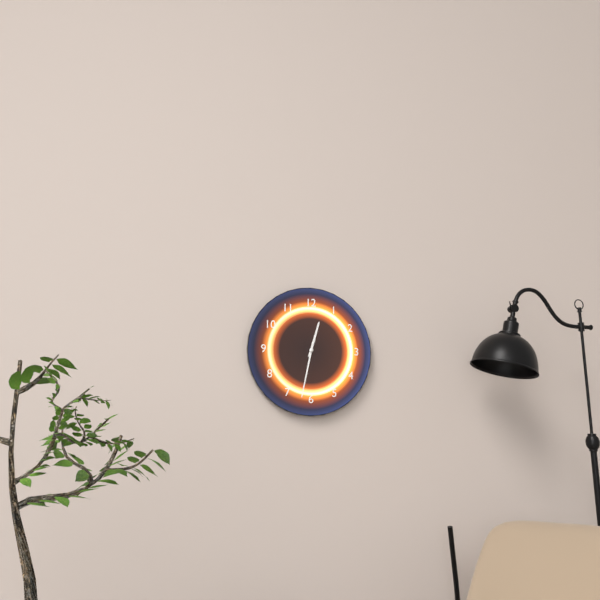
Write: 12:32
